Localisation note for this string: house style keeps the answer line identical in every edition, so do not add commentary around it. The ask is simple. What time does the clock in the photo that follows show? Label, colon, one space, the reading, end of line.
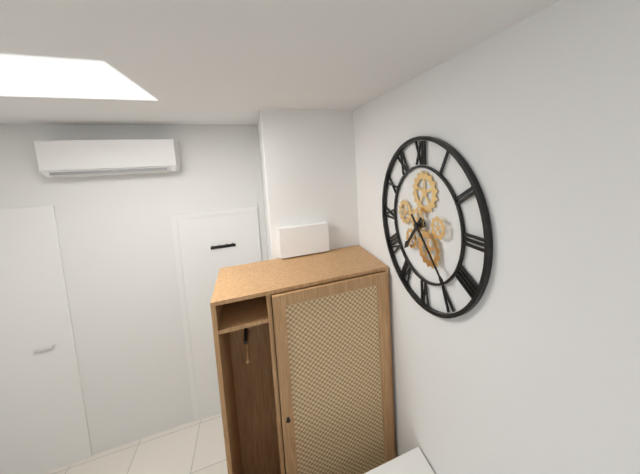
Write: 7:23
